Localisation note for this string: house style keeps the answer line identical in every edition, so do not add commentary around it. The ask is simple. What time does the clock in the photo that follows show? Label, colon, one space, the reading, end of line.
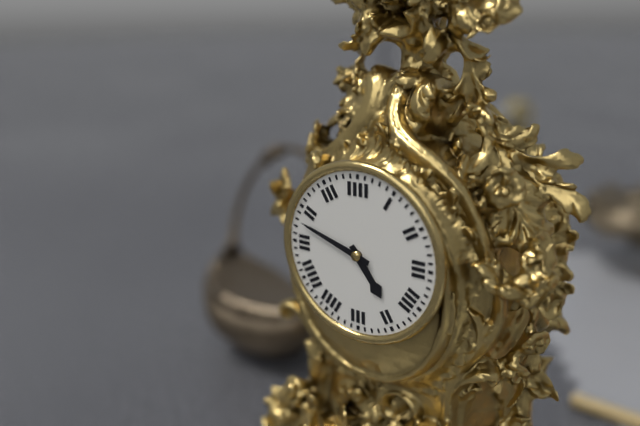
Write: 4:48
